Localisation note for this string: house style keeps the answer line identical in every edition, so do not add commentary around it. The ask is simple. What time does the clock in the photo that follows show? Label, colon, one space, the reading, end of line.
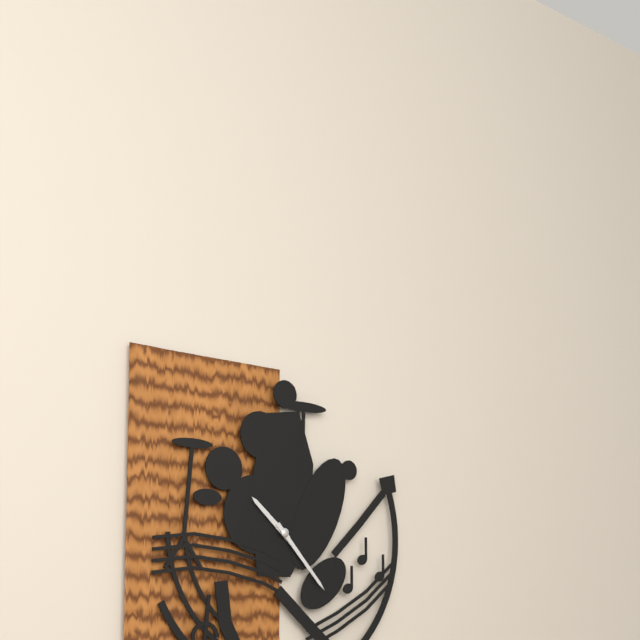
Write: 10:23
